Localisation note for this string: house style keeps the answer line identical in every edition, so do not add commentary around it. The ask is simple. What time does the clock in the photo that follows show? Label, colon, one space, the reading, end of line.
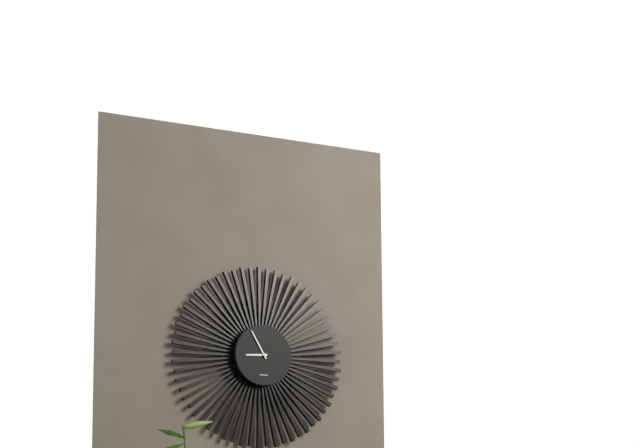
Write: 8:55
